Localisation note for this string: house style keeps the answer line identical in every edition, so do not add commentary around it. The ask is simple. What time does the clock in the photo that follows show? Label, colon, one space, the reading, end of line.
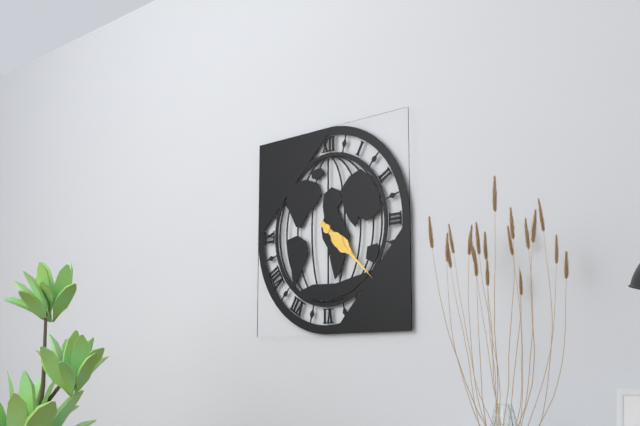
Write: 4:22
